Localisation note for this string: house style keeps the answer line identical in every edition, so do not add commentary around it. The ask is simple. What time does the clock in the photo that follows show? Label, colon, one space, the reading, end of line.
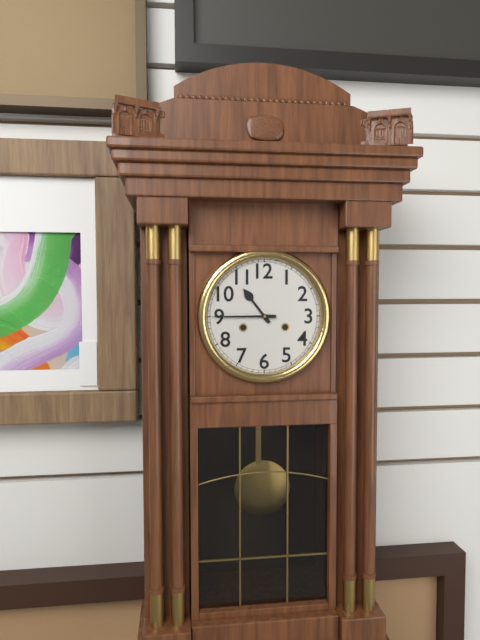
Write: 10:45
